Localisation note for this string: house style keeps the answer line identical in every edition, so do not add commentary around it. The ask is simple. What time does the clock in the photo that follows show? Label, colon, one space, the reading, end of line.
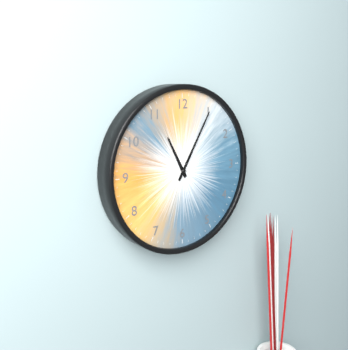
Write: 11:05
